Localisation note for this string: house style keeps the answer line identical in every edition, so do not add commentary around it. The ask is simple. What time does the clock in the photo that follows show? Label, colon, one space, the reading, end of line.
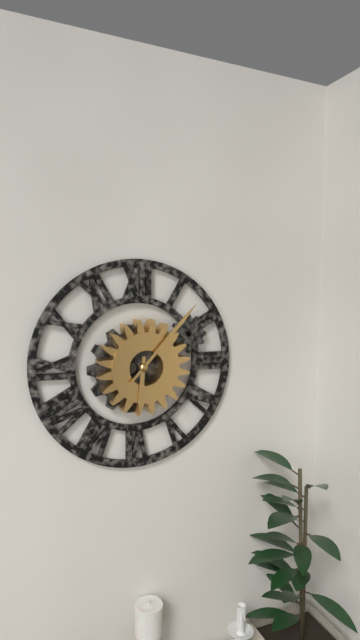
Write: 6:07
